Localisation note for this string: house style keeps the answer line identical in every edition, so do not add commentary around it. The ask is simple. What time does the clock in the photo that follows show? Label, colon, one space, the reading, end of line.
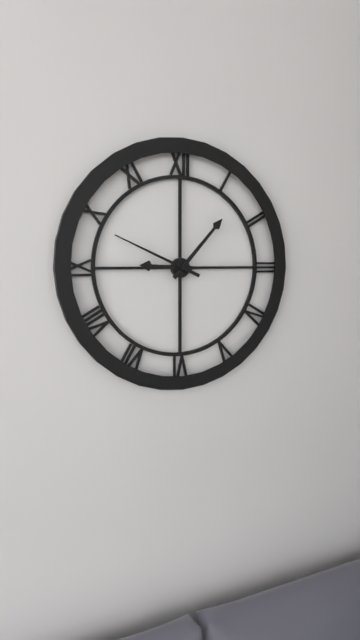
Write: 9:07:49
